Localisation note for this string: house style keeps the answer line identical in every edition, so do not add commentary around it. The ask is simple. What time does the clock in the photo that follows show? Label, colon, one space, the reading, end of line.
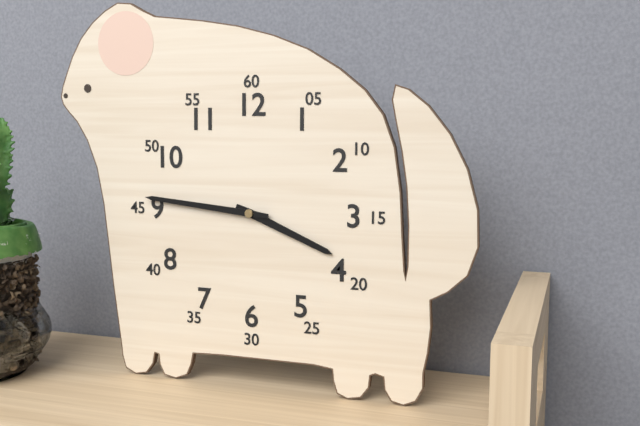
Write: 3:46
